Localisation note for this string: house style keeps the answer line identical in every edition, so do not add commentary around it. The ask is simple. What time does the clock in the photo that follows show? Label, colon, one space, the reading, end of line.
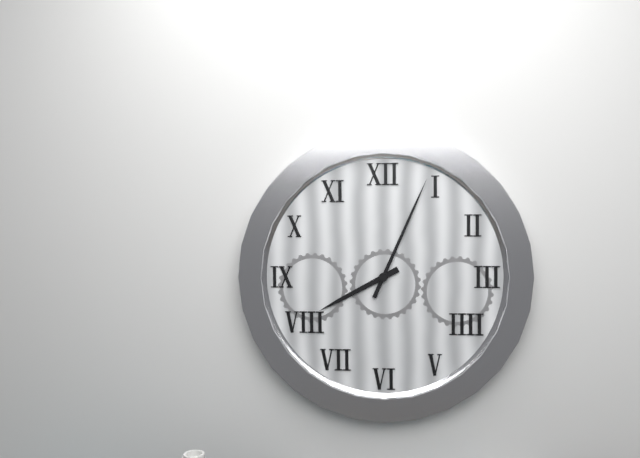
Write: 8:04
